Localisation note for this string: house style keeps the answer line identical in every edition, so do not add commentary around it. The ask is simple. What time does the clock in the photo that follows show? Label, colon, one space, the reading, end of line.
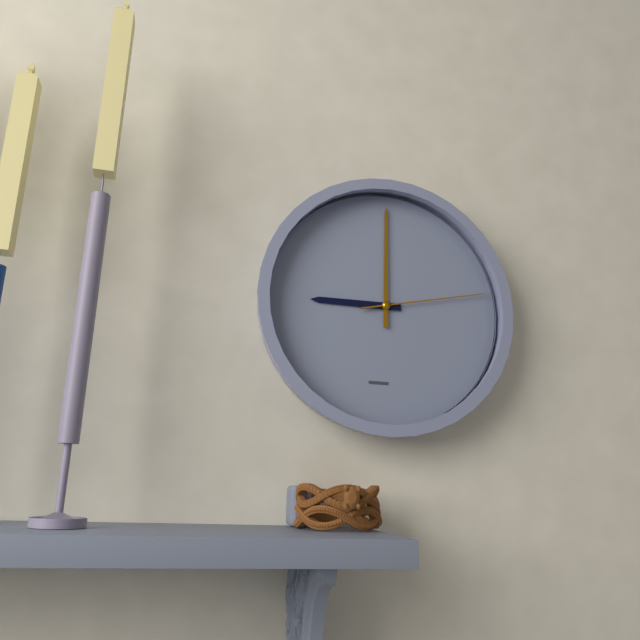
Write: 9:00:13
